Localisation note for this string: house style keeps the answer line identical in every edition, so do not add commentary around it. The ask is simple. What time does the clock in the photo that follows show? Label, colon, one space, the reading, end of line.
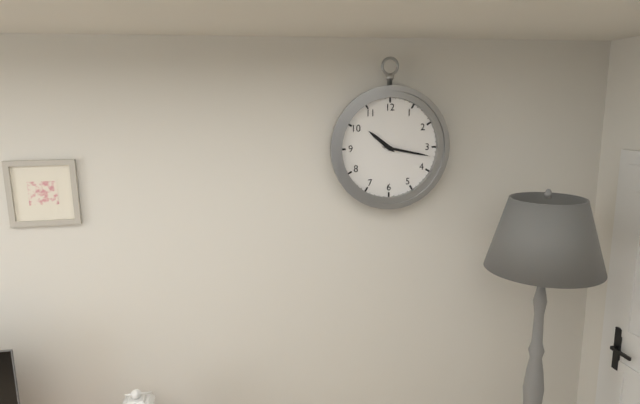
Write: 10:17
